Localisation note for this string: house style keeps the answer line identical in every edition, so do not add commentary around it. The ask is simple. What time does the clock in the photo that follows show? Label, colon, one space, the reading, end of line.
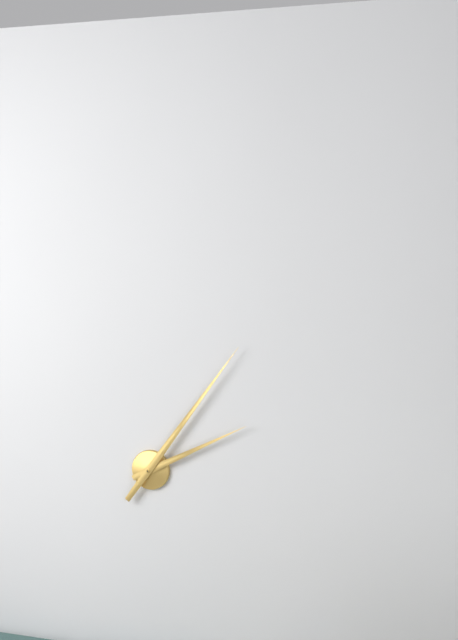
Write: 2:06
